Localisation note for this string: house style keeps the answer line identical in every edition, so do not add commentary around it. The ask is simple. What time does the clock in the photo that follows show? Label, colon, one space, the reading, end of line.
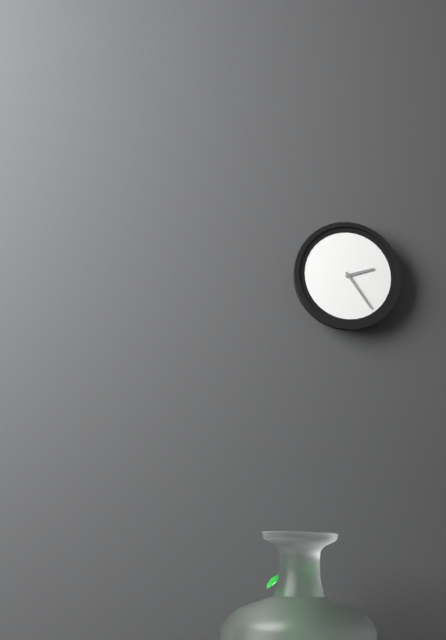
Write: 2:24
